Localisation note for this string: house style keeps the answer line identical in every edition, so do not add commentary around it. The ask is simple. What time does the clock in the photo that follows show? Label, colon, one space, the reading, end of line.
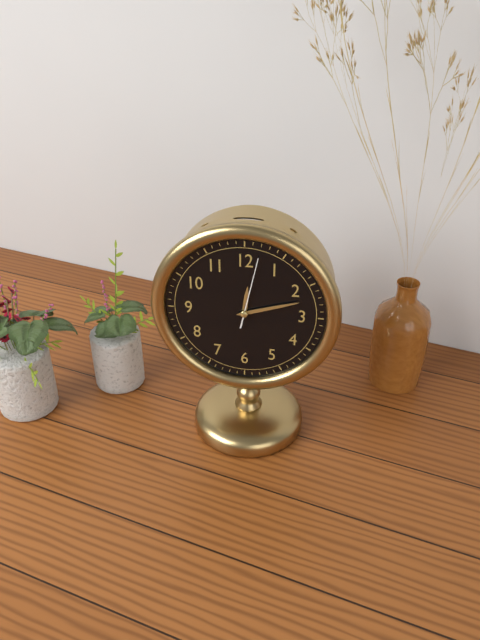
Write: 12:12:02
